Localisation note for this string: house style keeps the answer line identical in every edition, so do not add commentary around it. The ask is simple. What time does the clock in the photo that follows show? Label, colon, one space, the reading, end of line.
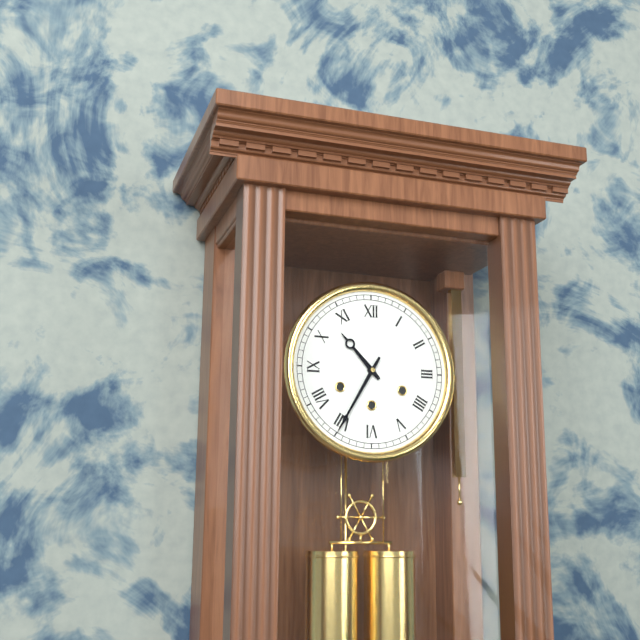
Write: 10:35
